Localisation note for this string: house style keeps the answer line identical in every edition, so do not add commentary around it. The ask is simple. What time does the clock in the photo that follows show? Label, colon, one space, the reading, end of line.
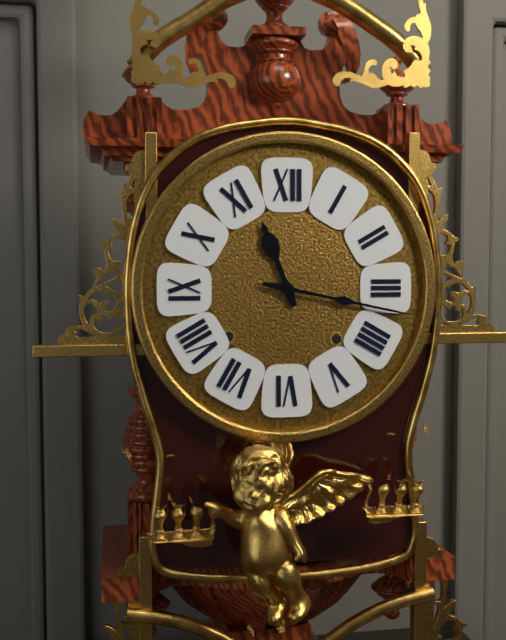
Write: 11:17
